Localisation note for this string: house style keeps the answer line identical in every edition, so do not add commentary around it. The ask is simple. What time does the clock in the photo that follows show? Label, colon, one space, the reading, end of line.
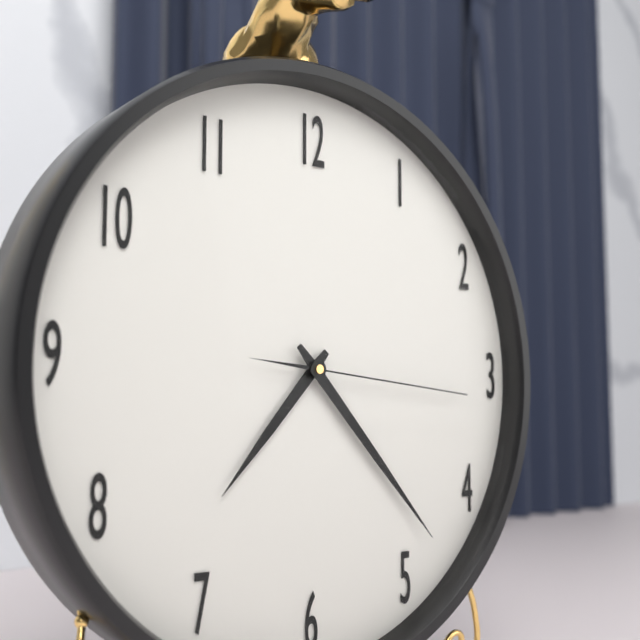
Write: 7:23:16
